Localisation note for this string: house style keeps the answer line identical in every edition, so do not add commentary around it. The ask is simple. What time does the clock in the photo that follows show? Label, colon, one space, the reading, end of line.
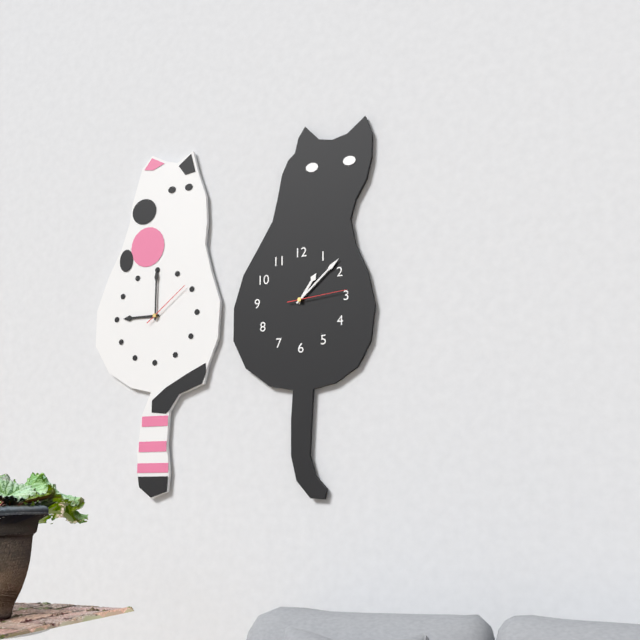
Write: 1:08:14
